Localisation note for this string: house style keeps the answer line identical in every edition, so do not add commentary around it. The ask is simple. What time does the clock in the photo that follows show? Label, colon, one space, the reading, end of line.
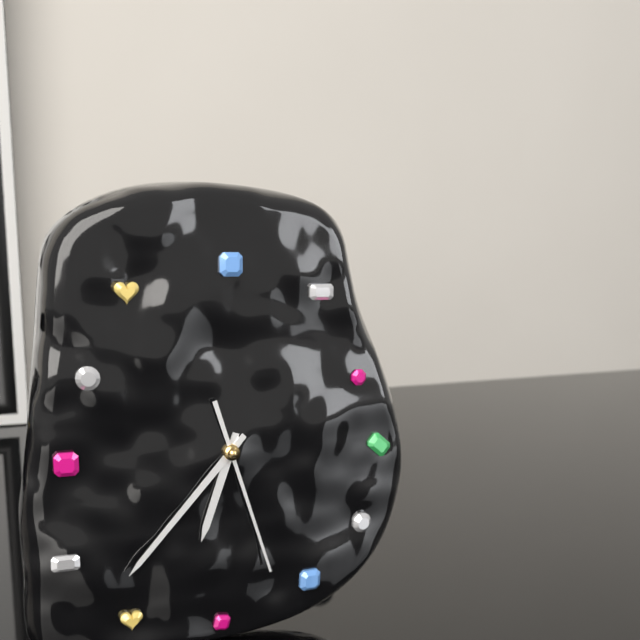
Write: 6:37:27
